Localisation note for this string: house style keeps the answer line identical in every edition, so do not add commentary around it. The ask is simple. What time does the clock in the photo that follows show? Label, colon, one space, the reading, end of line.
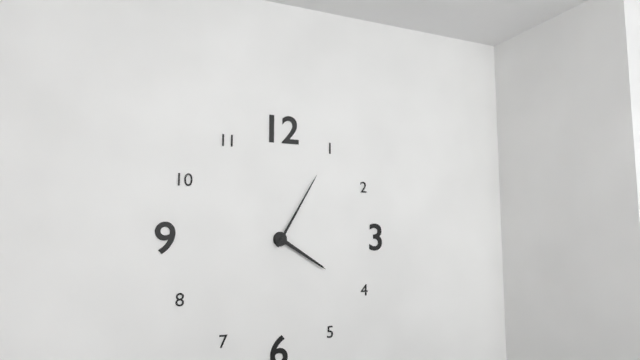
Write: 4:05
